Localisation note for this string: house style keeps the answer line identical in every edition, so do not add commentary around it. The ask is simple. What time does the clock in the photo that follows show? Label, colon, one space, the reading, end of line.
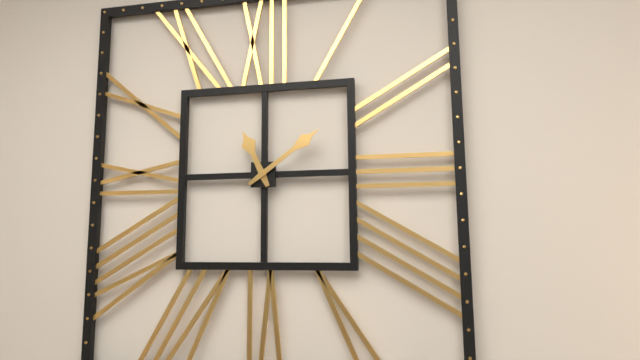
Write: 11:09
